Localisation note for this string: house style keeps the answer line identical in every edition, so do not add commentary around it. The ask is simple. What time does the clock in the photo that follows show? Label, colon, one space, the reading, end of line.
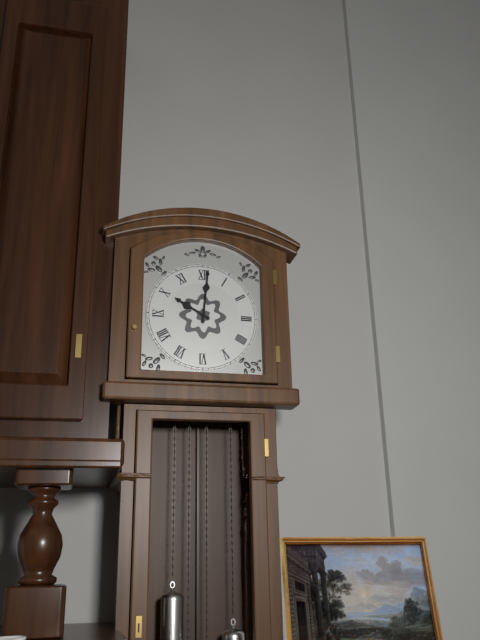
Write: 10:01
